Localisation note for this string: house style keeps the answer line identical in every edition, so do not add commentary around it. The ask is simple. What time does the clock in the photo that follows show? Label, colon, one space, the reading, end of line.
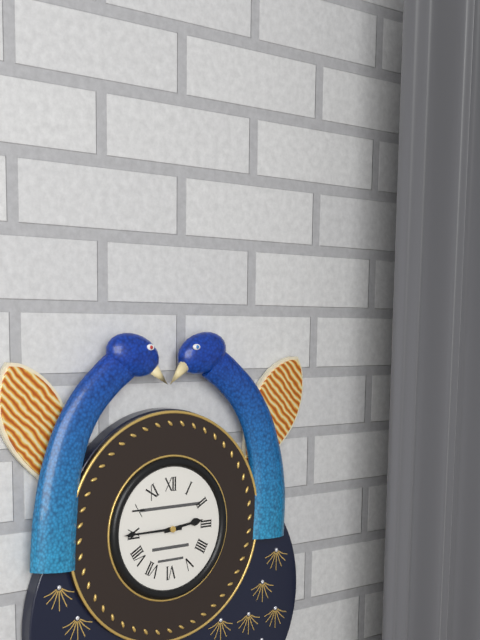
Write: 2:45
